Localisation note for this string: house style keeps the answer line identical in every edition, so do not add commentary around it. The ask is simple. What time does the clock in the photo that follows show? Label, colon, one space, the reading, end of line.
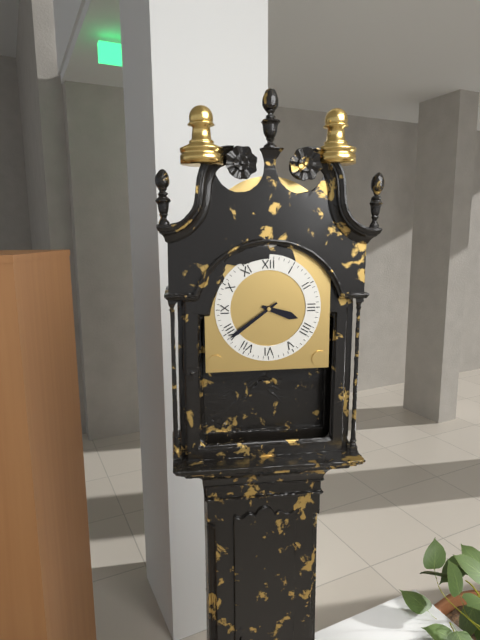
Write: 3:39
